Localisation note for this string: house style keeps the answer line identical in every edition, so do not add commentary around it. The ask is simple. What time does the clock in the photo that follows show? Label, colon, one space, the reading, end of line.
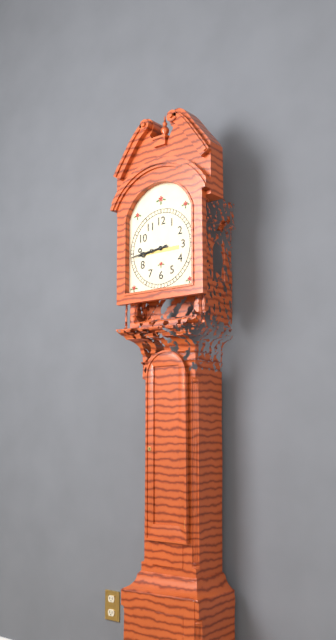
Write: 8:44
